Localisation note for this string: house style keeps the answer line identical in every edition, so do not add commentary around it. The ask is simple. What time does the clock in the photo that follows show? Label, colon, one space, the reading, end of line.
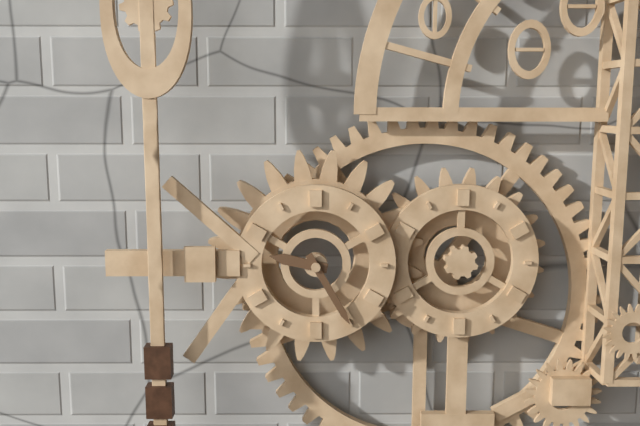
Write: 9:25
